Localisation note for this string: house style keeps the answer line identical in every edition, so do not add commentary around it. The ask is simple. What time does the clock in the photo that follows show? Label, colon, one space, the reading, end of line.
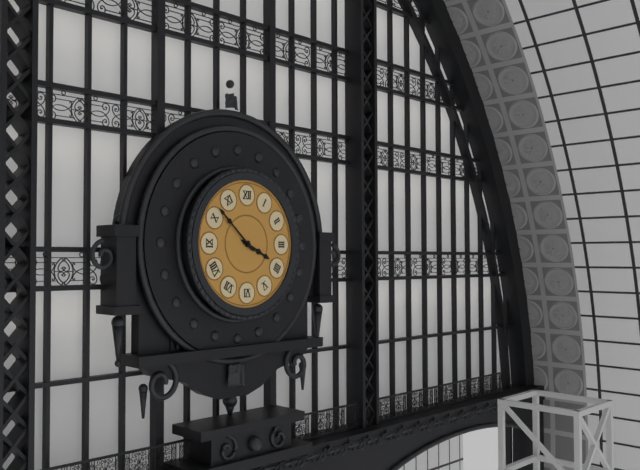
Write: 3:52
